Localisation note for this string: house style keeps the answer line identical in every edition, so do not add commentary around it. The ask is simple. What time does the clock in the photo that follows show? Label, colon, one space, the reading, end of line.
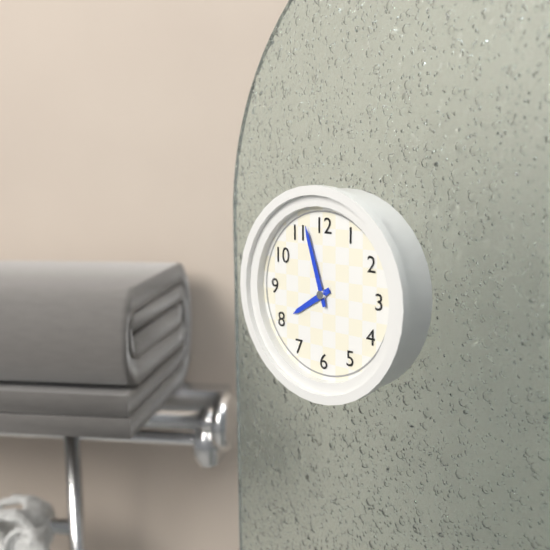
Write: 7:57
